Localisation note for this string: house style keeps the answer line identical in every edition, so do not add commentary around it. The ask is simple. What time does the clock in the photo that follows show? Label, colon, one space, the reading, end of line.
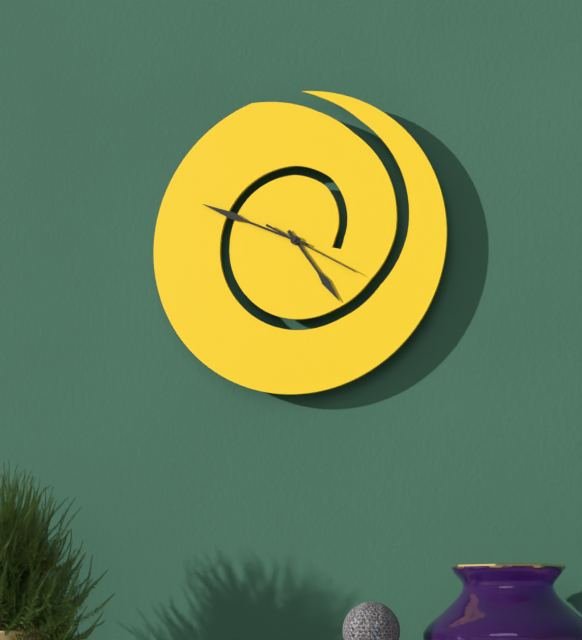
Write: 4:49:20
